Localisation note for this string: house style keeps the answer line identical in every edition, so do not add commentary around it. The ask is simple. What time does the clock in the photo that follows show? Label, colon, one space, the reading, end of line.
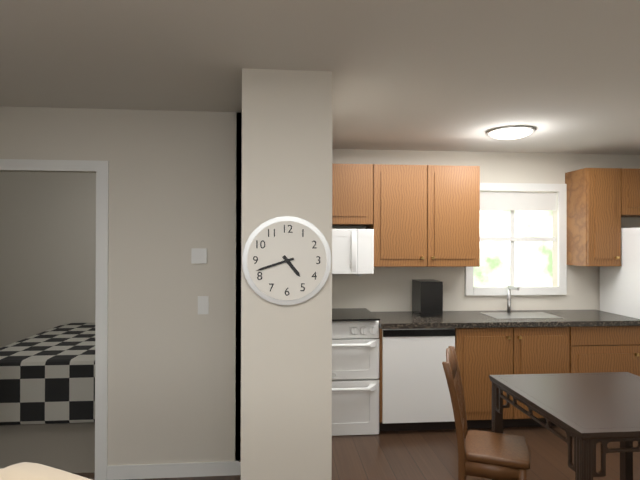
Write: 4:42
